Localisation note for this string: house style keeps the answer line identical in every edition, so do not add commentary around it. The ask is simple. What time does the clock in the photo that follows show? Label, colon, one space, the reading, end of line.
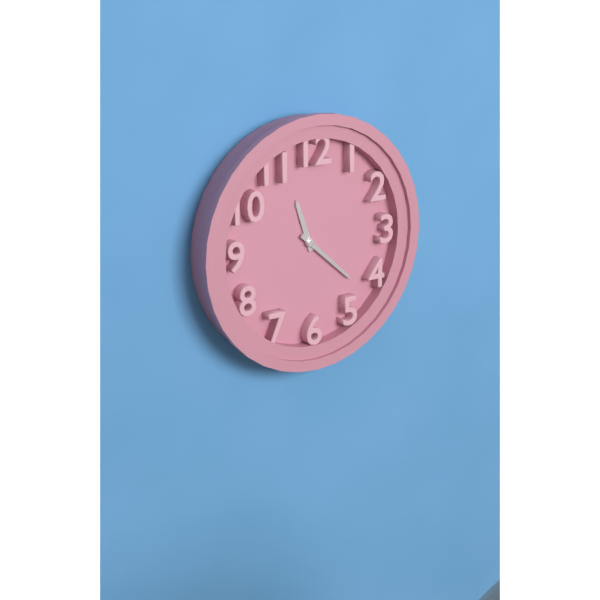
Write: 11:22
